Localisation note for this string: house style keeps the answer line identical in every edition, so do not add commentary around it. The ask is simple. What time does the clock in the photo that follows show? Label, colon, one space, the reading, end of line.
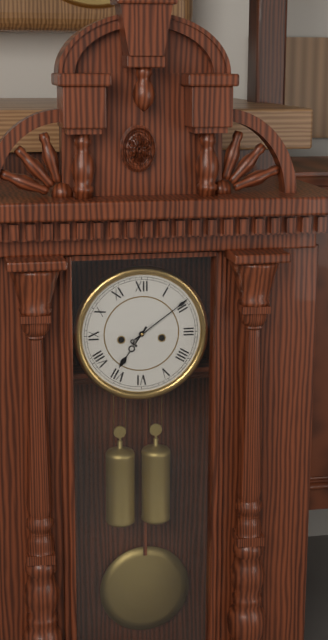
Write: 7:09
